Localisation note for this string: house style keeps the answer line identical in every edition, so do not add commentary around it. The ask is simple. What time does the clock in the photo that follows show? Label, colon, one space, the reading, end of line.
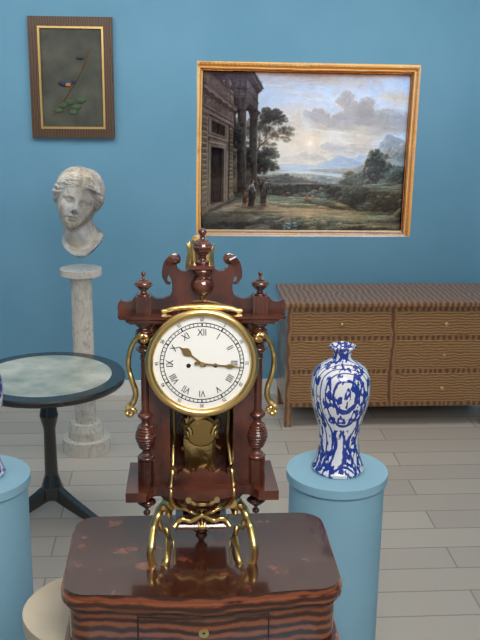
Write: 10:16
